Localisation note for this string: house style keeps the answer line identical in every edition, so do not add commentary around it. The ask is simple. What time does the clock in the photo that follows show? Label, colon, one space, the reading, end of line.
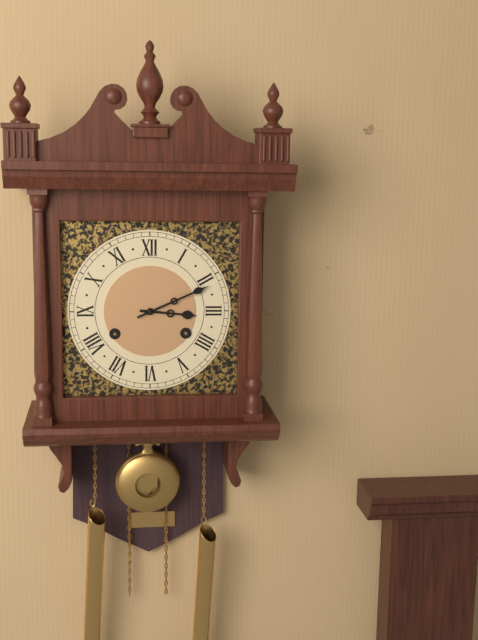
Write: 3:11
